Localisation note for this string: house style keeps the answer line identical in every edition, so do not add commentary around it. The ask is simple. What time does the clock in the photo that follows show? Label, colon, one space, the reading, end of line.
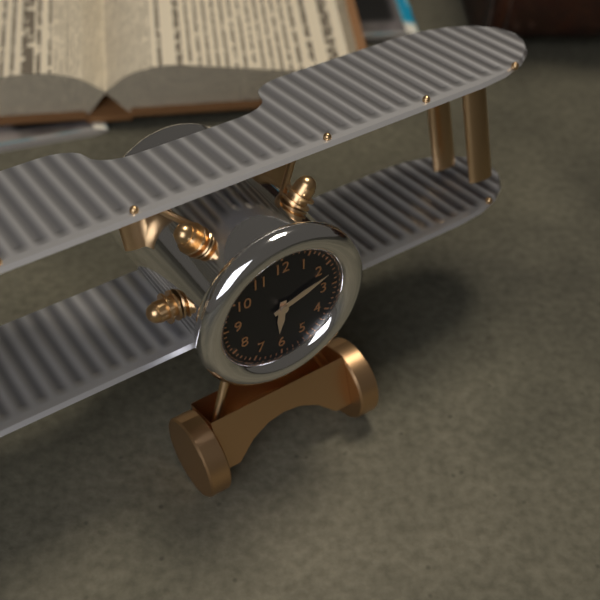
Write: 6:12
